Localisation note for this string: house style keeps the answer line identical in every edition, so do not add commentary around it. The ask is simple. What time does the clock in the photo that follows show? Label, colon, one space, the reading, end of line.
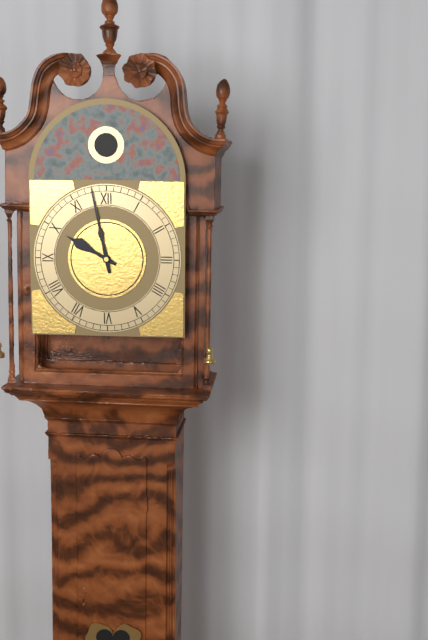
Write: 9:58
